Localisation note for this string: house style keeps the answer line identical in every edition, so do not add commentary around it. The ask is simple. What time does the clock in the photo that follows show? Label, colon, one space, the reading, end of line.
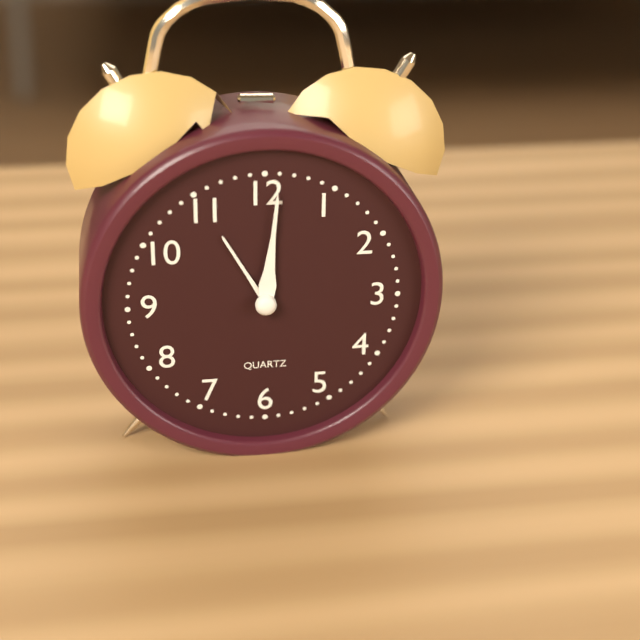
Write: 11:01
